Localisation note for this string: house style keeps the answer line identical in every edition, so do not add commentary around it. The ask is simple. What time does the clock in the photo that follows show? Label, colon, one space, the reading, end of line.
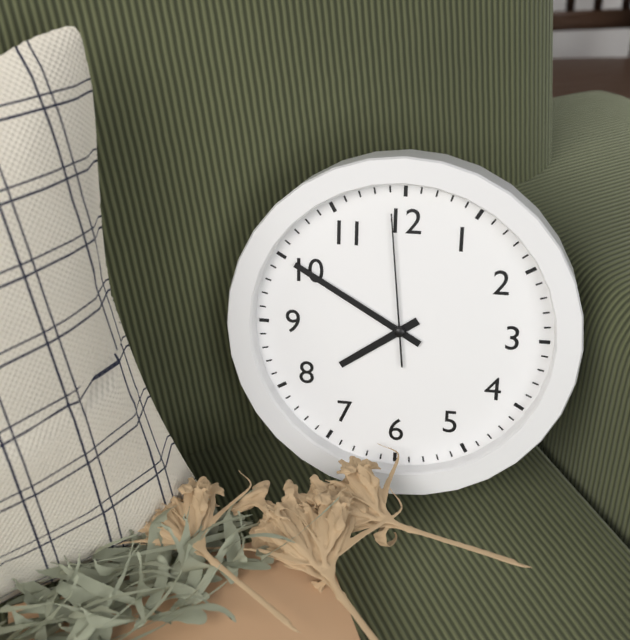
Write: 7:50:59
